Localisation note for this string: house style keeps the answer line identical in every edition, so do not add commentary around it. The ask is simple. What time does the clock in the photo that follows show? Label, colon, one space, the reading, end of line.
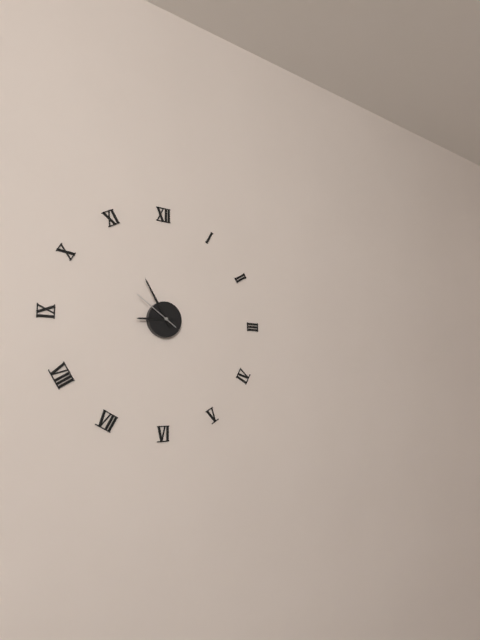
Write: 8:55
